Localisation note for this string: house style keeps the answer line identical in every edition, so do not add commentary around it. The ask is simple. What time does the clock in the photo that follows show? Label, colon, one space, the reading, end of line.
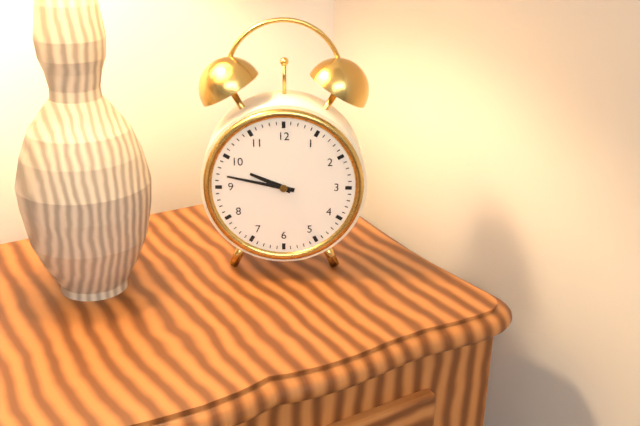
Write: 9:47
